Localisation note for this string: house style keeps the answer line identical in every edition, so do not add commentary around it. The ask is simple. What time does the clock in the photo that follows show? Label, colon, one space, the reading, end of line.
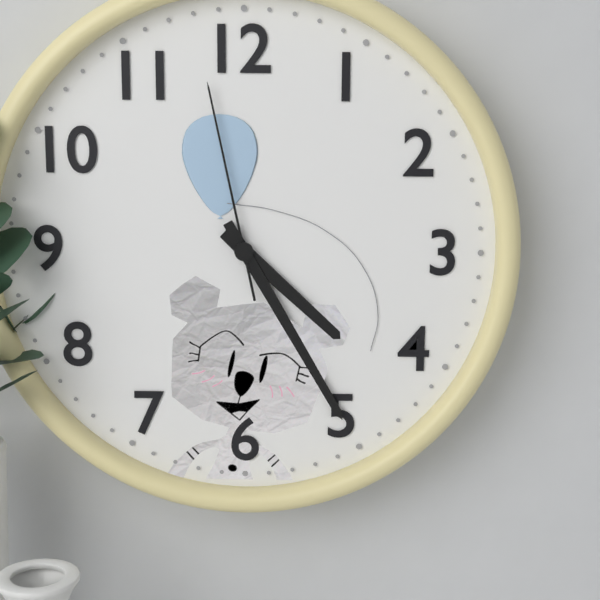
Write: 4:25:58
